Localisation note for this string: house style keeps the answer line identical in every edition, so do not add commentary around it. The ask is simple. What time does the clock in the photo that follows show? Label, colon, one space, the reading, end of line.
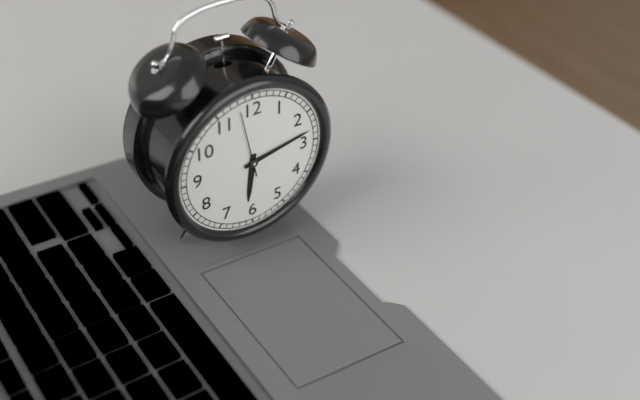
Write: 6:13:58
